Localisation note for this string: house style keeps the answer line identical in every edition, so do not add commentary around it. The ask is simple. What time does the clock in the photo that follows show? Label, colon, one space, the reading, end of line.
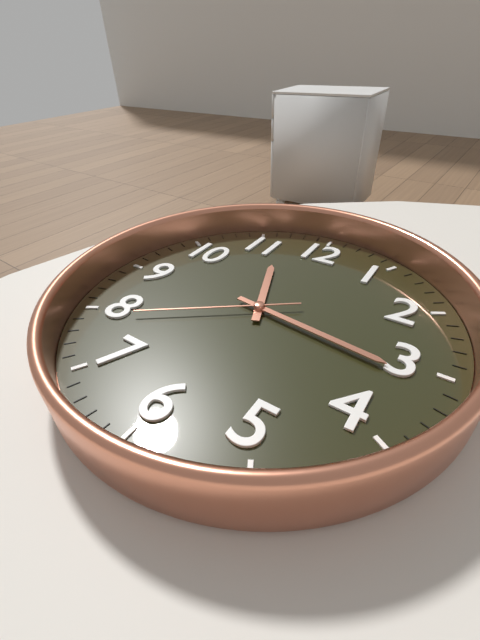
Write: 11:16:39
